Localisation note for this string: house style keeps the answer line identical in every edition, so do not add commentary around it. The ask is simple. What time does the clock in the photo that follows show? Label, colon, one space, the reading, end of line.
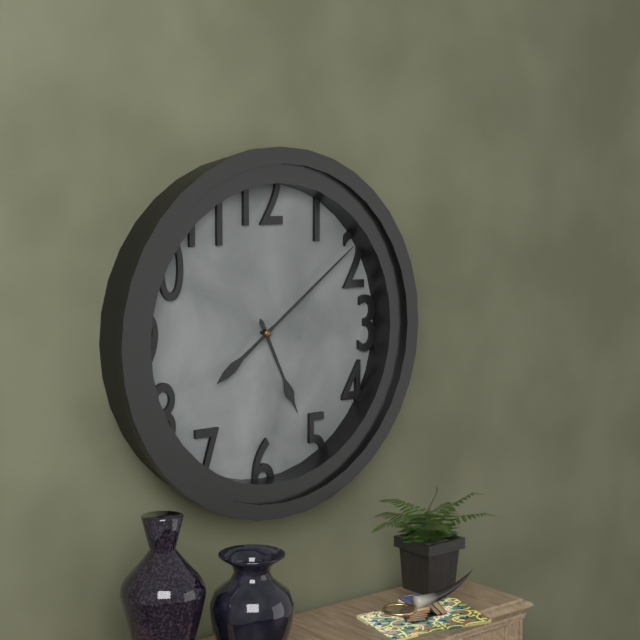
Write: 5:09
